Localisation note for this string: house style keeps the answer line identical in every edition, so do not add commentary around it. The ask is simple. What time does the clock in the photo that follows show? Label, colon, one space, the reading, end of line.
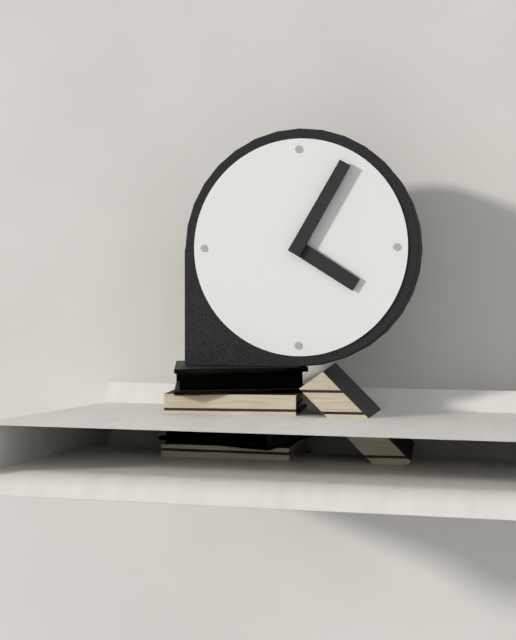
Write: 4:05
